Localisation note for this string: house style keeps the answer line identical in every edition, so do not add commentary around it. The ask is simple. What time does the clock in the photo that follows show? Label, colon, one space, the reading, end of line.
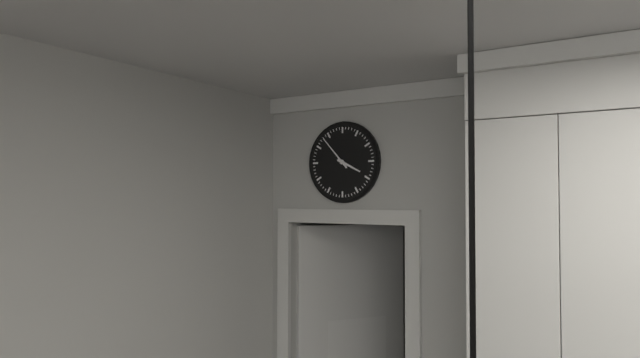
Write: 3:53
